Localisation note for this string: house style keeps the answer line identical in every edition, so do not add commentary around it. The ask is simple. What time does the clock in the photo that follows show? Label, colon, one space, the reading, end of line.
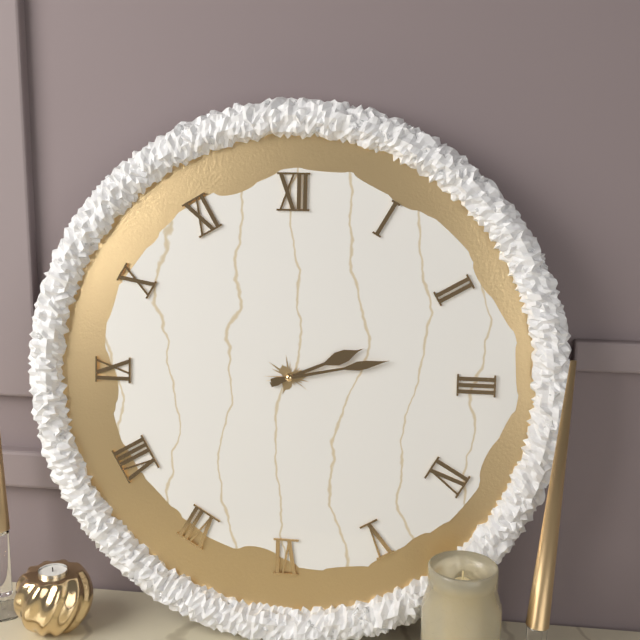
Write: 2:13
